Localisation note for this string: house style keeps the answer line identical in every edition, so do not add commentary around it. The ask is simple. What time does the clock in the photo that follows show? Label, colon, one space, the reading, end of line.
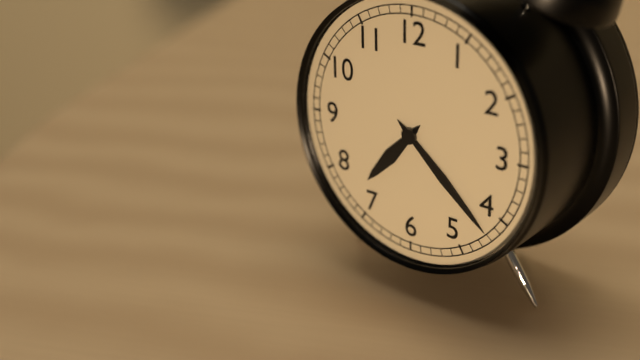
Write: 7:22
